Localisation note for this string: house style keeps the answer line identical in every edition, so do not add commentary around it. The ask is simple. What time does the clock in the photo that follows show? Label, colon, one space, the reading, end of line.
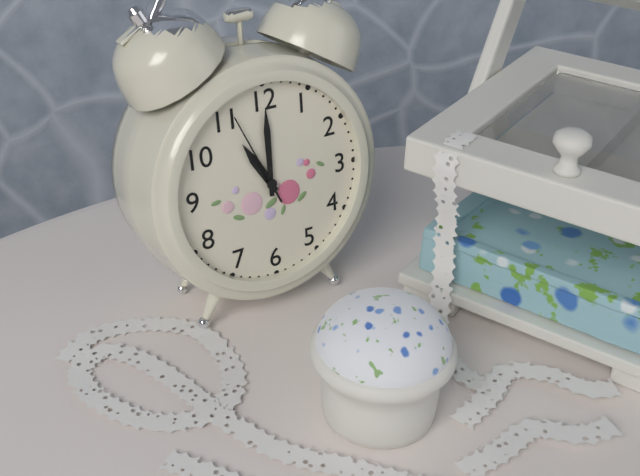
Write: 11:00:56
